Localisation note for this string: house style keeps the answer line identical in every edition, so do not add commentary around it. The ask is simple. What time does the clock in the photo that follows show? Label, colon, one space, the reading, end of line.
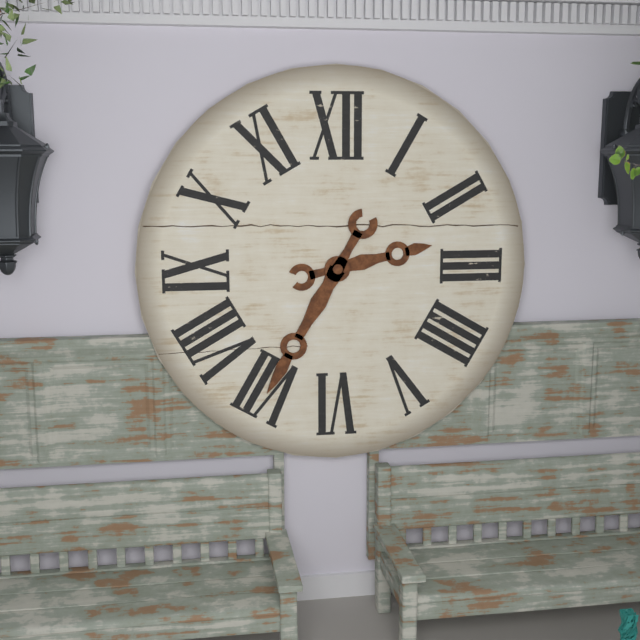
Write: 2:35
